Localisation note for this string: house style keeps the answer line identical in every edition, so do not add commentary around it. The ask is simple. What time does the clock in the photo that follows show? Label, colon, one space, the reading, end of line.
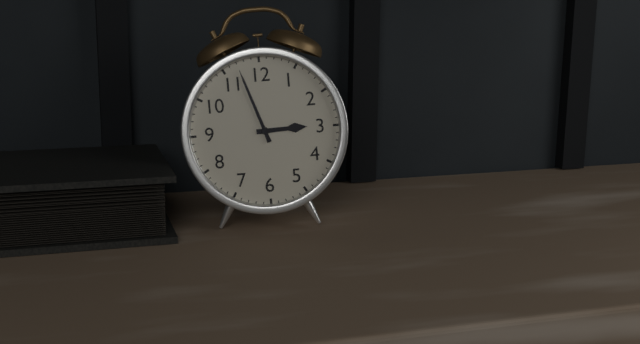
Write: 2:57
